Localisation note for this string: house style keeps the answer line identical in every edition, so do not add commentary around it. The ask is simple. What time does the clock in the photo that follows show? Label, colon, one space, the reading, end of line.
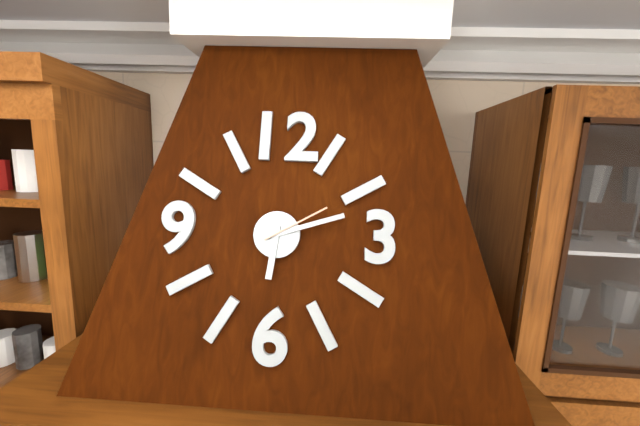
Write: 6:12:10
